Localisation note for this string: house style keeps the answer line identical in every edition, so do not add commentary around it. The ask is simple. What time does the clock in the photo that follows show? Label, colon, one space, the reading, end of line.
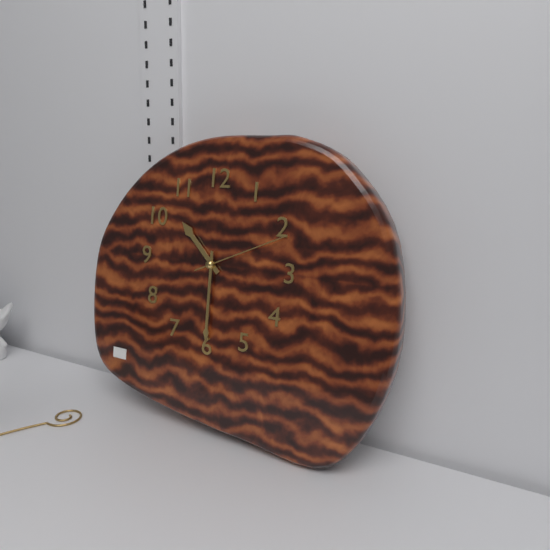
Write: 10:30:11
